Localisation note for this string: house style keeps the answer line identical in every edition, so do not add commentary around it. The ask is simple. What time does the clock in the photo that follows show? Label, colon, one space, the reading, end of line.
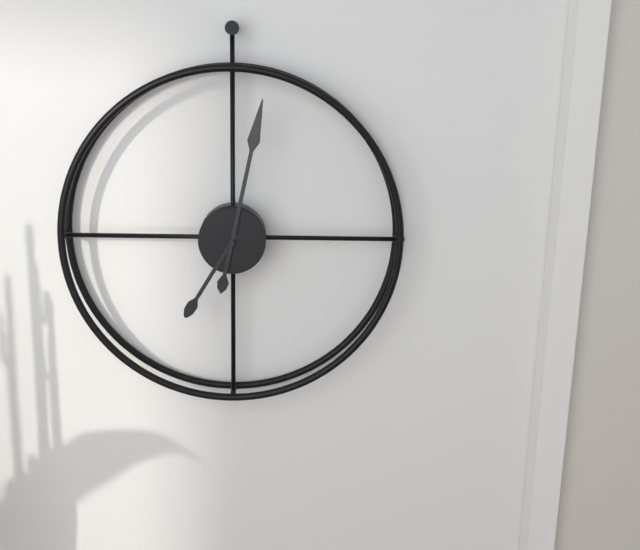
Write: 7:02
